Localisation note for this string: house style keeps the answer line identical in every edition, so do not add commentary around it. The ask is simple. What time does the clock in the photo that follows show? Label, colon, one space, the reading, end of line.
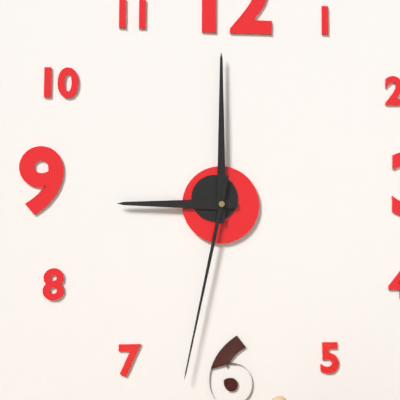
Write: 9:00:32
